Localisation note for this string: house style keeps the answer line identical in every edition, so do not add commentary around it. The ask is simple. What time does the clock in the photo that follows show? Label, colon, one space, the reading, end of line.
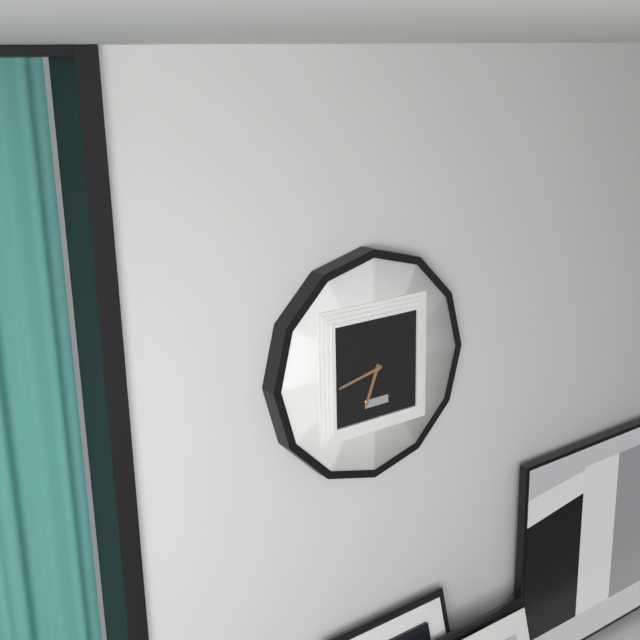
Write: 6:43
